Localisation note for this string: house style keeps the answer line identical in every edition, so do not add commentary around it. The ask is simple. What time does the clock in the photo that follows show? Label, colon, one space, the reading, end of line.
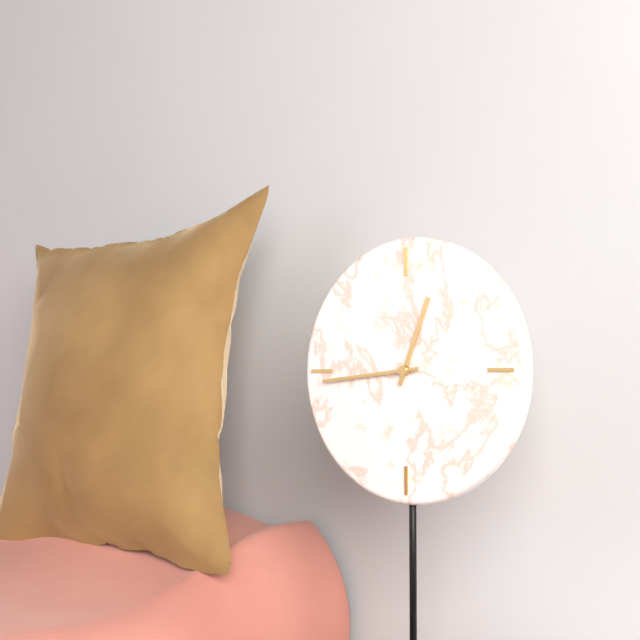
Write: 12:44
